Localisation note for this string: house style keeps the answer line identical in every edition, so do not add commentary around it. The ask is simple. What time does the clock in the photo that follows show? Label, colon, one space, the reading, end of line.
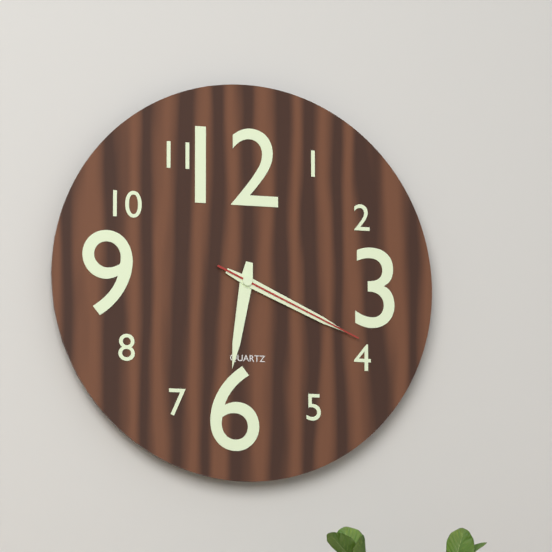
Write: 6:19:19
